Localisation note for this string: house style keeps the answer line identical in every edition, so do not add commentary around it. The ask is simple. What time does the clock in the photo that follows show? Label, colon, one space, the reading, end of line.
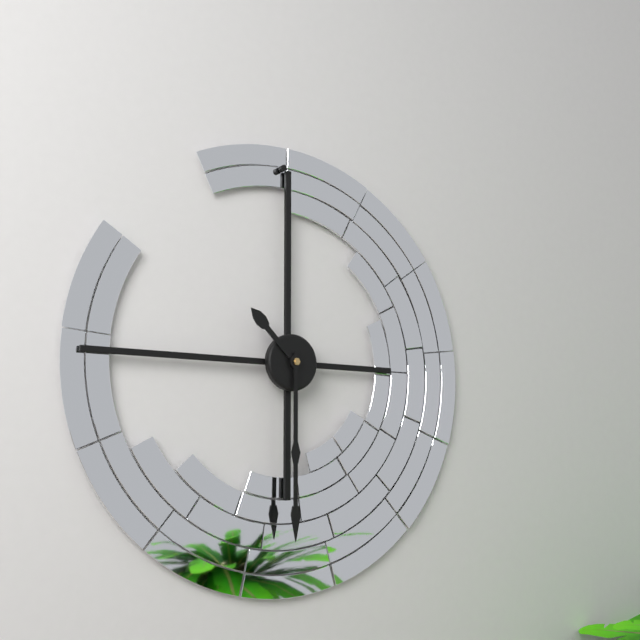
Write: 10:30
